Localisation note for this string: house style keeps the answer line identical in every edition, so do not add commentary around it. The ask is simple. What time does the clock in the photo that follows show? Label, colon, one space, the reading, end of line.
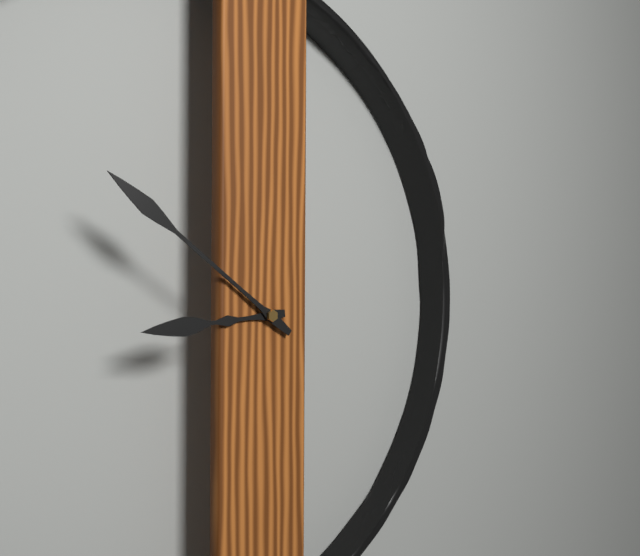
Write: 8:51
